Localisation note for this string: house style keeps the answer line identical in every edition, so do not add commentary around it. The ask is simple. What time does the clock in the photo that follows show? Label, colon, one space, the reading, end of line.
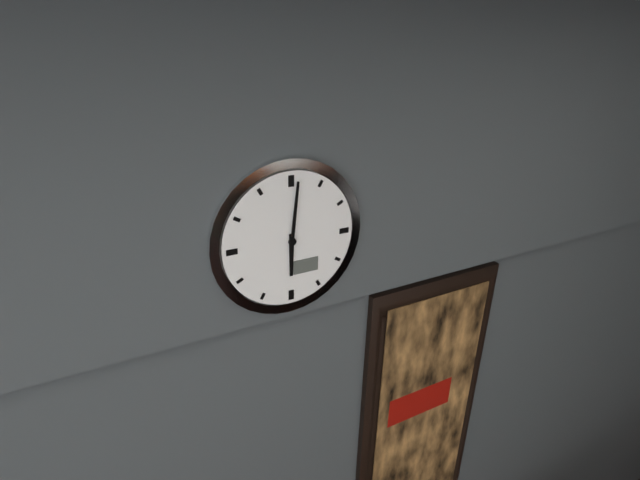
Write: 6:01
